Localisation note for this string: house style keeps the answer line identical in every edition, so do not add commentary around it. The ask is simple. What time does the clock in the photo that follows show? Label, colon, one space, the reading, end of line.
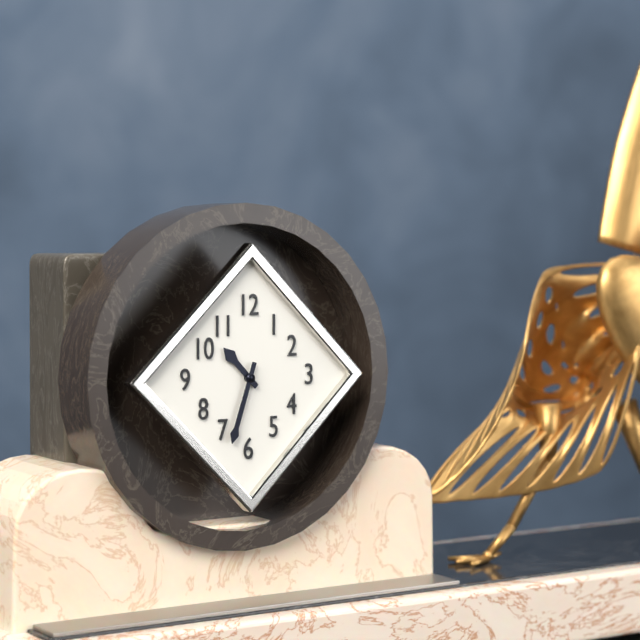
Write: 10:33
